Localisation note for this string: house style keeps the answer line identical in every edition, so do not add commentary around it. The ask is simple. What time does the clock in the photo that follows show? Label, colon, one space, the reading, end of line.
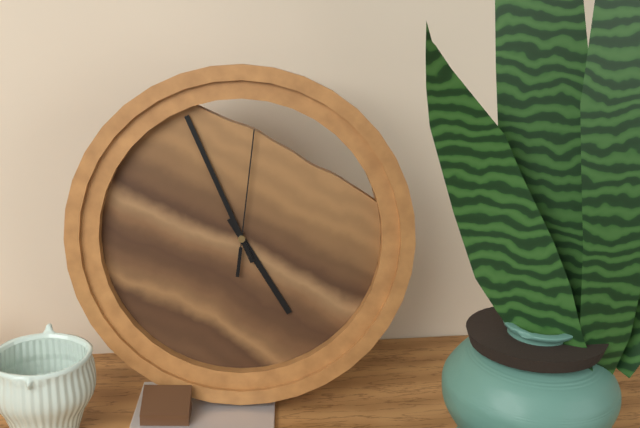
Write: 4:56:01
